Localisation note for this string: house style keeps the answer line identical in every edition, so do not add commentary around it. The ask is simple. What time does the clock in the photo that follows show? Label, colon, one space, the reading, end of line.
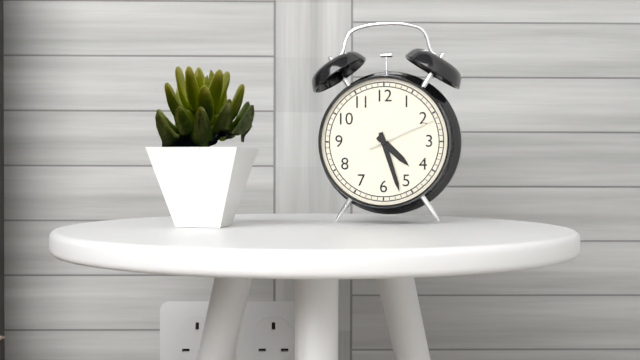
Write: 4:27:11
